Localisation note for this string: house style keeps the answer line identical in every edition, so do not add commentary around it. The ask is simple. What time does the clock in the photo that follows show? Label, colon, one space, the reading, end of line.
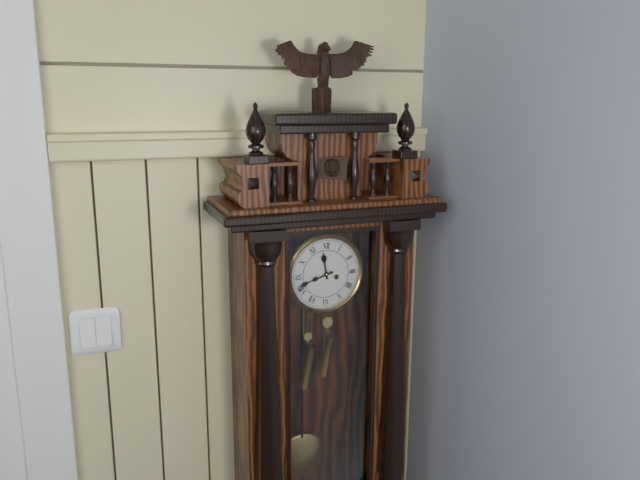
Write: 11:42
